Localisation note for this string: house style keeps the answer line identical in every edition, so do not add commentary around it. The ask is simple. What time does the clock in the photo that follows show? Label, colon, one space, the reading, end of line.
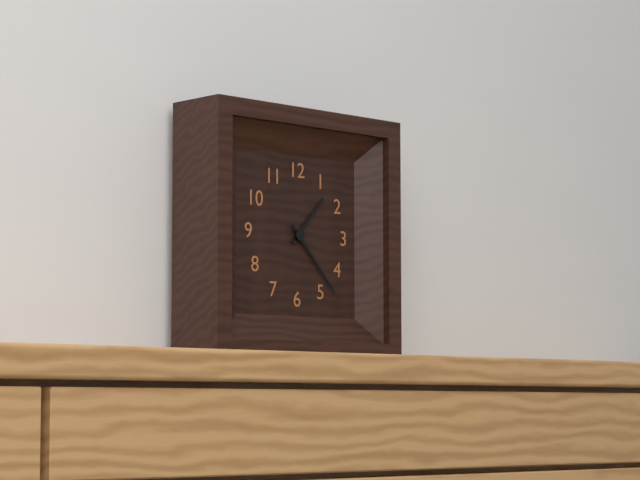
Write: 1:23
